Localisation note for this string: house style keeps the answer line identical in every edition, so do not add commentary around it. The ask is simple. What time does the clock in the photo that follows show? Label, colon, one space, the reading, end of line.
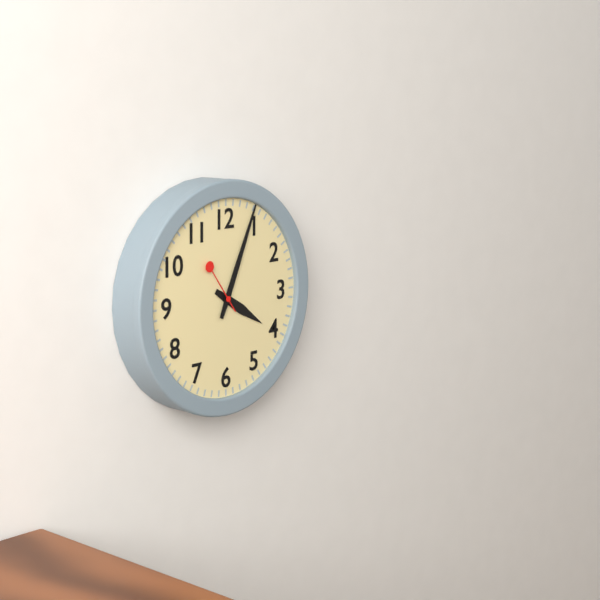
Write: 4:04:54
